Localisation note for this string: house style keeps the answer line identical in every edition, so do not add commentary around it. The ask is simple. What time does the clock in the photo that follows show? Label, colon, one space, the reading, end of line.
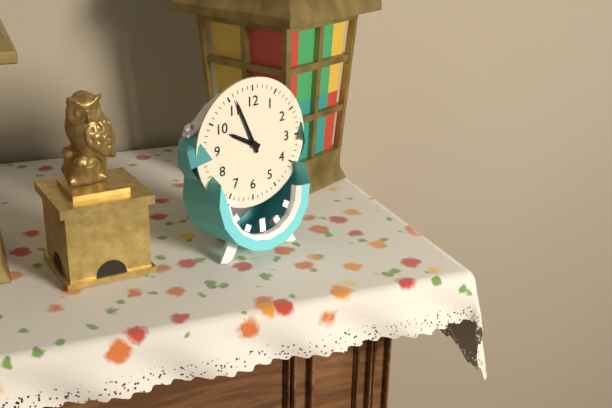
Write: 9:56
